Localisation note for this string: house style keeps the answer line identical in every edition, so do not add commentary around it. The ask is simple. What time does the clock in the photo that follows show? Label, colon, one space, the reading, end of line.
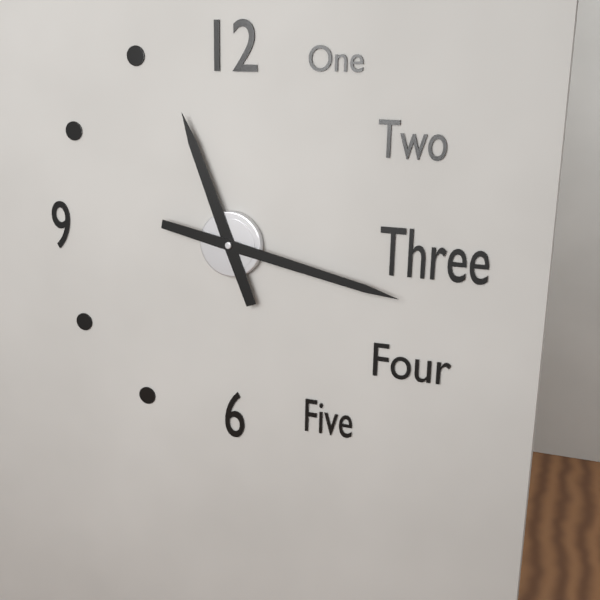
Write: 11:17
